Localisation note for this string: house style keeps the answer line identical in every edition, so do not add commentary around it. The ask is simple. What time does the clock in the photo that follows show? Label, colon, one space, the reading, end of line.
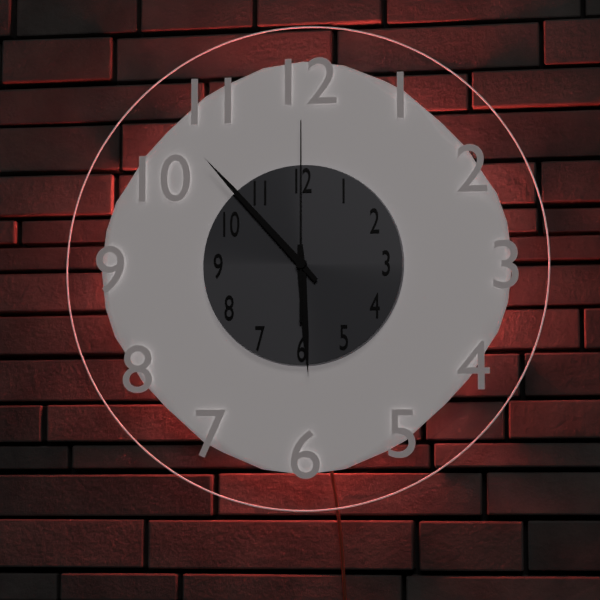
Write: 5:53:00
